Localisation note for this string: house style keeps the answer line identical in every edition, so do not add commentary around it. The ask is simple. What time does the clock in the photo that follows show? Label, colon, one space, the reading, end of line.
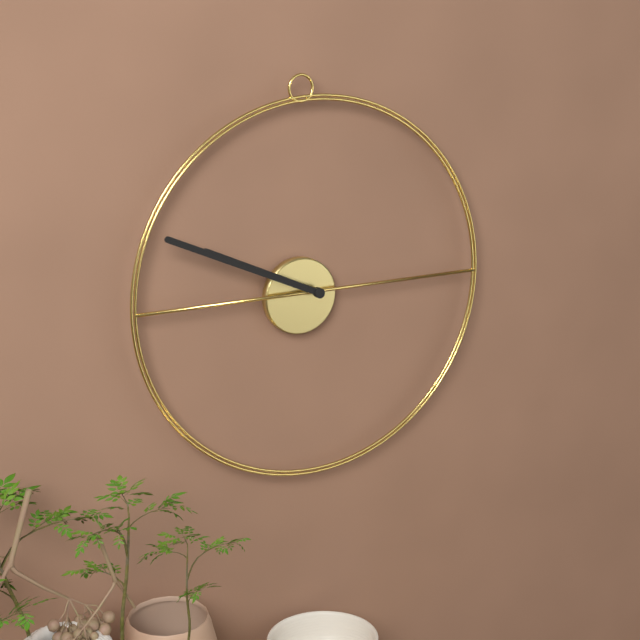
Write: 9:49
